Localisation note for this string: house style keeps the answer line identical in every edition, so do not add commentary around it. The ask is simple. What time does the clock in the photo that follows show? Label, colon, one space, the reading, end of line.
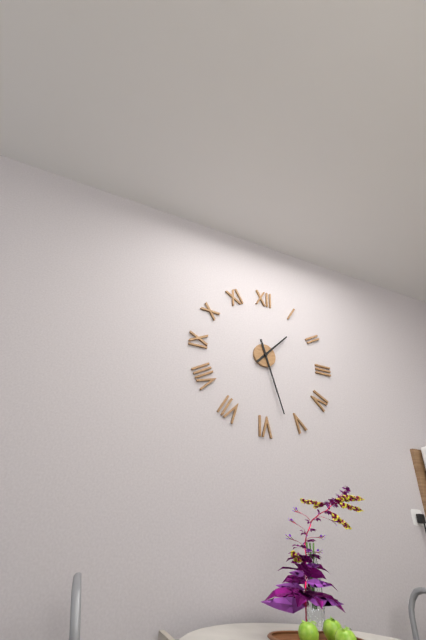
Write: 1:27
